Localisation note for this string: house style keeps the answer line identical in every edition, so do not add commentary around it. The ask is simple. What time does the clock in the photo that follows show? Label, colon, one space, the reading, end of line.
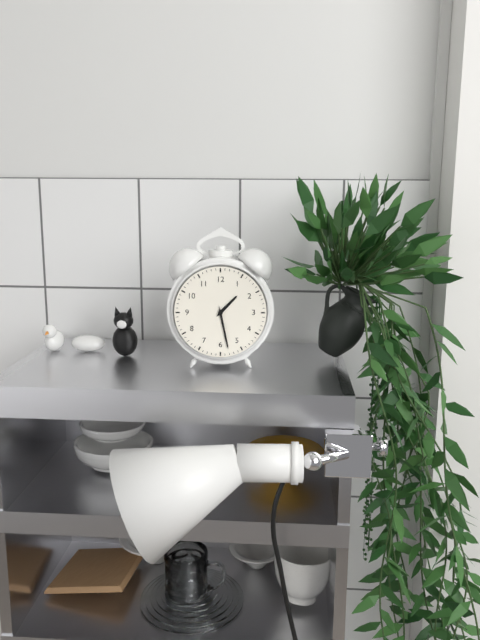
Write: 1:28
